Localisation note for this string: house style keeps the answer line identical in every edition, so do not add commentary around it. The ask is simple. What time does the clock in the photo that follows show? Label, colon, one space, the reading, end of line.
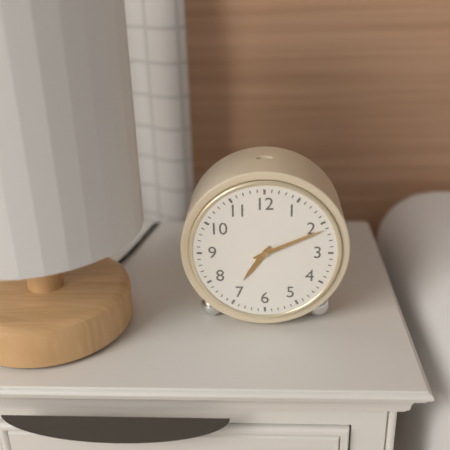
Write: 7:11
